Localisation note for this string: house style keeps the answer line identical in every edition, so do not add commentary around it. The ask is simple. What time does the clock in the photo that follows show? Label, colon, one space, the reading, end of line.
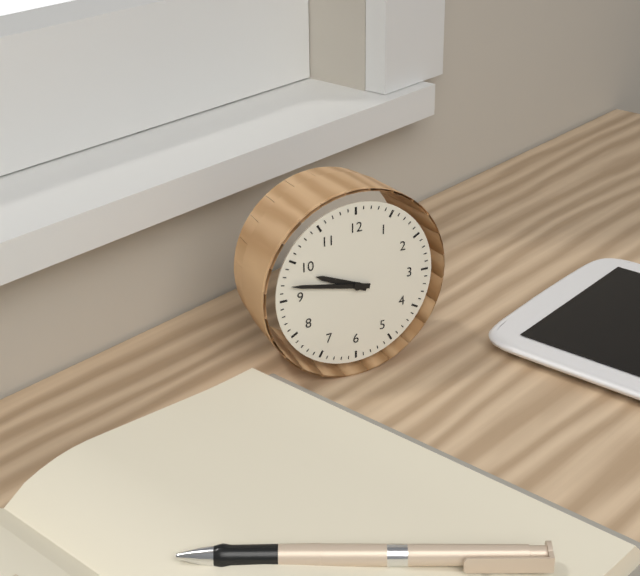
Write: 9:47
